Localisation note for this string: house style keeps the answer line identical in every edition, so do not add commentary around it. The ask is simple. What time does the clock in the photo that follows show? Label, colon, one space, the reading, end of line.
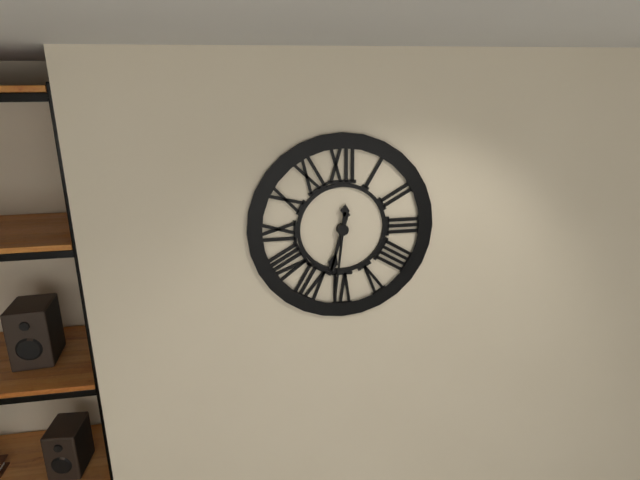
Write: 6:31
